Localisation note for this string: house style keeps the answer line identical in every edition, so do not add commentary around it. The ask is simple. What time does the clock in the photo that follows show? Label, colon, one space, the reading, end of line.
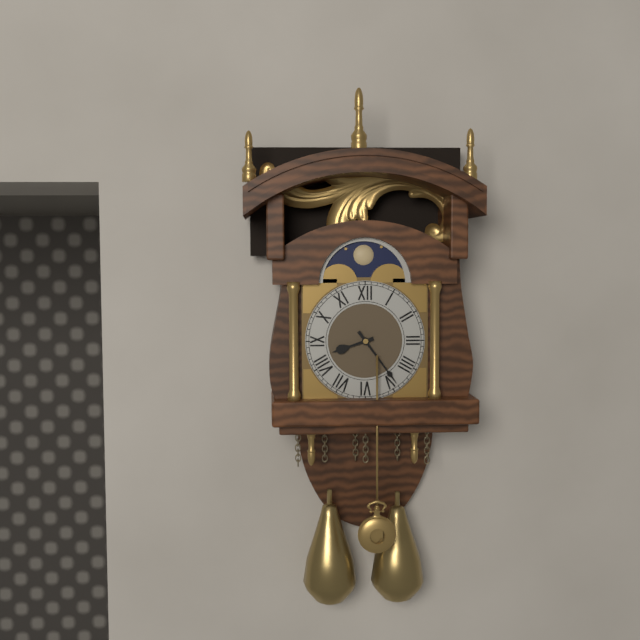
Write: 8:24
